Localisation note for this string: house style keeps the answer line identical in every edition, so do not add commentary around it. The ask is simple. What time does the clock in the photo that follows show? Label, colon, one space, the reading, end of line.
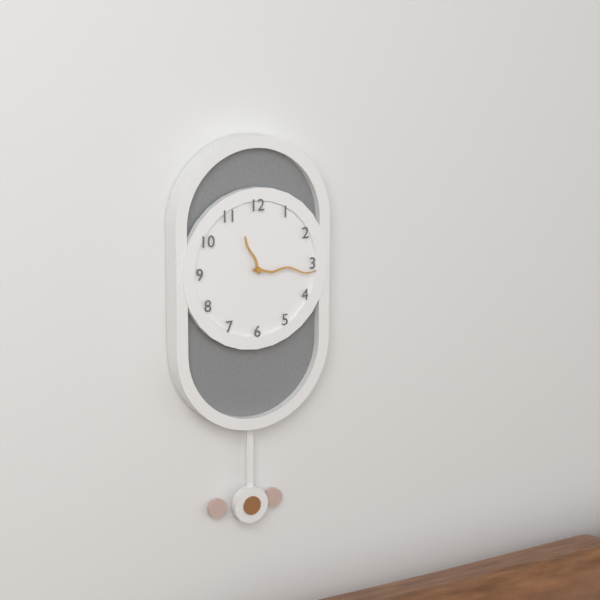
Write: 11:16
